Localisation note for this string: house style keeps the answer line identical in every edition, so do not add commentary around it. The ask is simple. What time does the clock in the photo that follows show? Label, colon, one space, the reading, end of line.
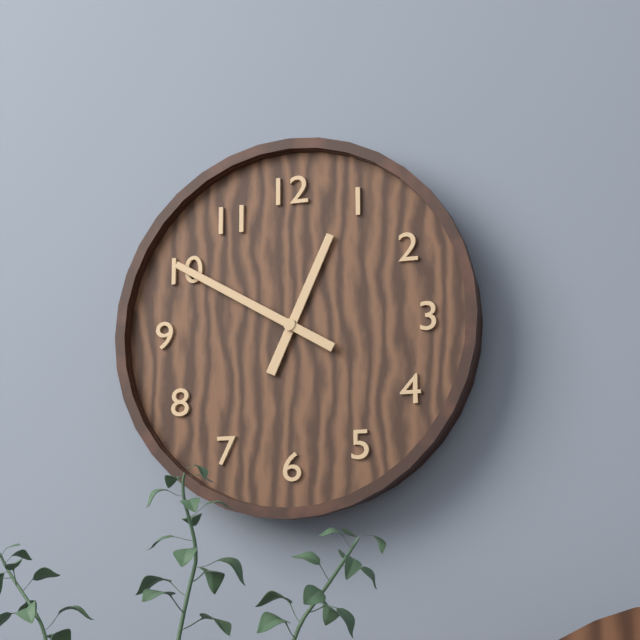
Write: 12:50
